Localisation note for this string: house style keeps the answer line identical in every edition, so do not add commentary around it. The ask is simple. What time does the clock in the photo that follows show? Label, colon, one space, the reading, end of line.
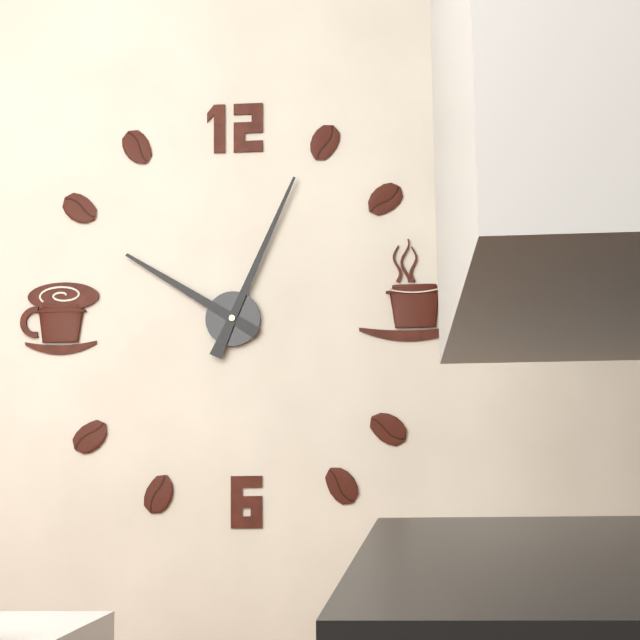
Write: 10:04
